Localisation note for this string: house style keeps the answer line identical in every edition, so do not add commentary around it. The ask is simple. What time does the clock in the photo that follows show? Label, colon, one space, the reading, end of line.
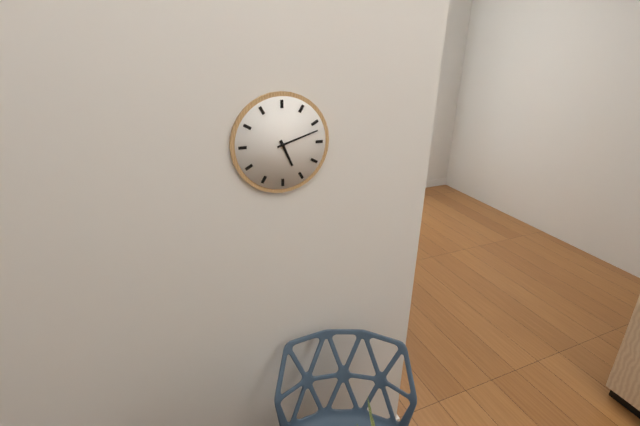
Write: 5:12
